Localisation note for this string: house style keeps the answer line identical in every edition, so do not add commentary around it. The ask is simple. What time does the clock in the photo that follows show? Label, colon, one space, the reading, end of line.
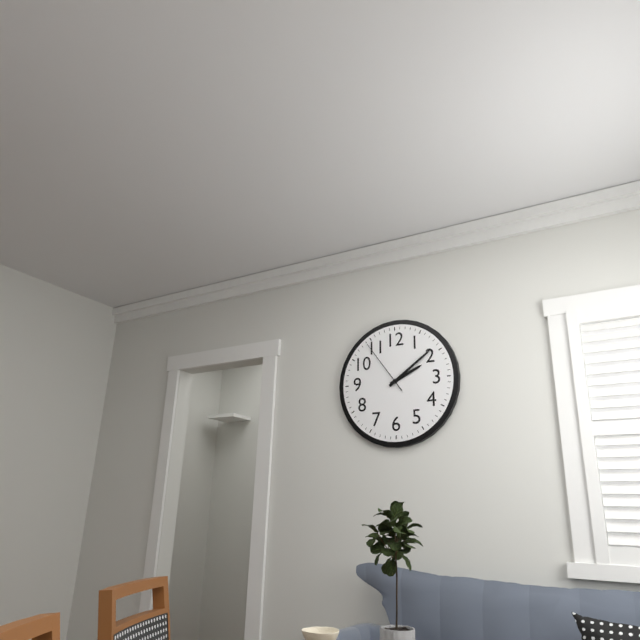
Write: 2:09:54
